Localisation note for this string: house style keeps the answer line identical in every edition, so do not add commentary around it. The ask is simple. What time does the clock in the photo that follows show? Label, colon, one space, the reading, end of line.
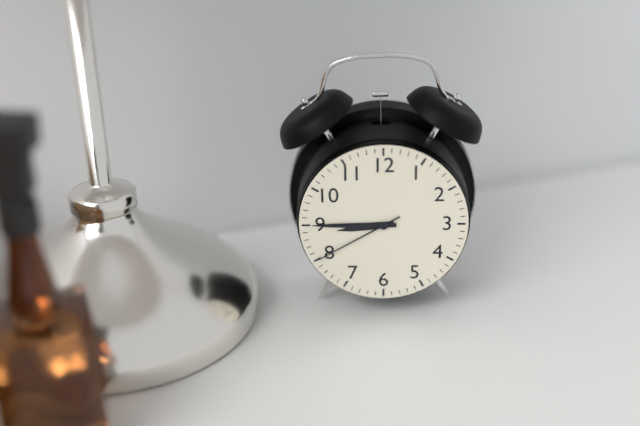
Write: 8:45:40
